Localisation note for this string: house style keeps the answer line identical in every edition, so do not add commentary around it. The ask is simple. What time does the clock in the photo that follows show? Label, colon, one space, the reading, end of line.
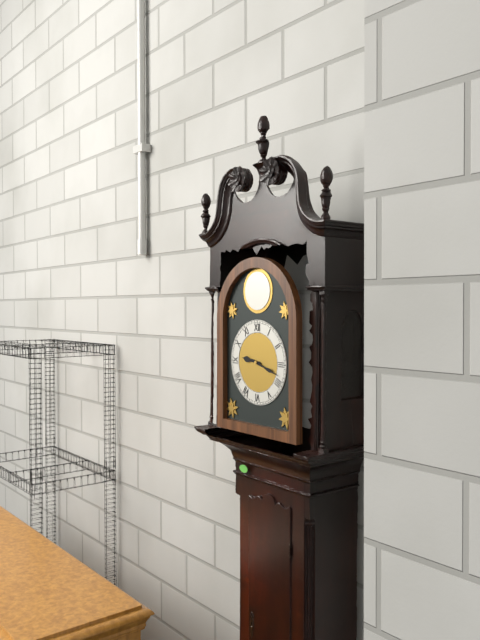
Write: 9:18
